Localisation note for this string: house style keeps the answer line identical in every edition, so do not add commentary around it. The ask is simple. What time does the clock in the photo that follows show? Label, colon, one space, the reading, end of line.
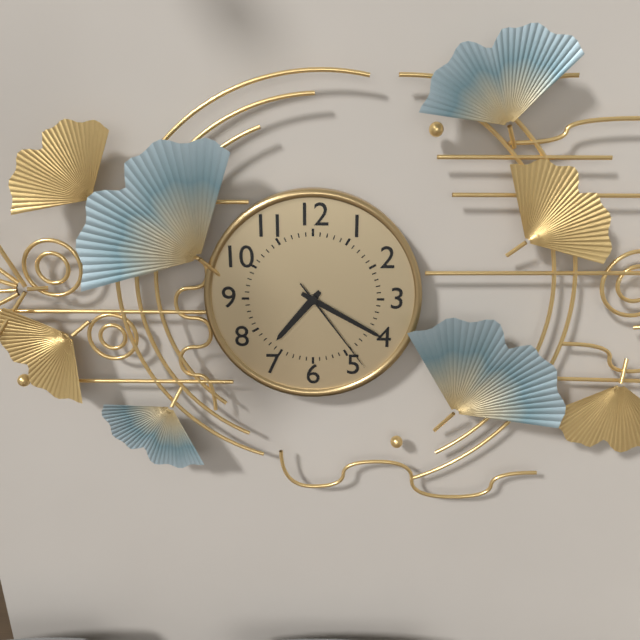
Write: 7:20:24
